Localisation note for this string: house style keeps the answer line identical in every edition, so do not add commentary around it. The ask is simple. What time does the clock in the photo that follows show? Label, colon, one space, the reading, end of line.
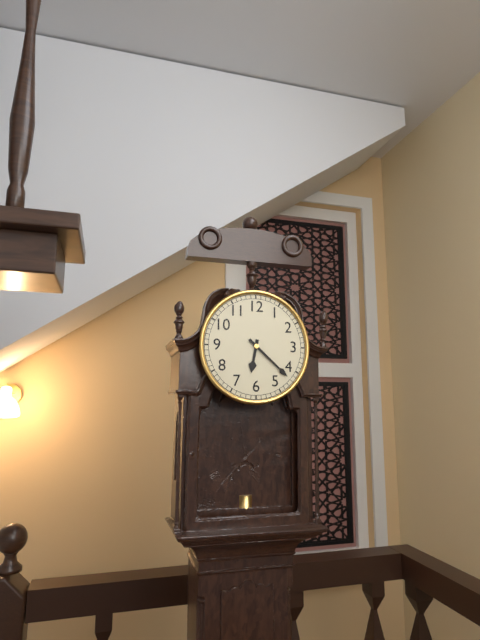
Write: 6:22
